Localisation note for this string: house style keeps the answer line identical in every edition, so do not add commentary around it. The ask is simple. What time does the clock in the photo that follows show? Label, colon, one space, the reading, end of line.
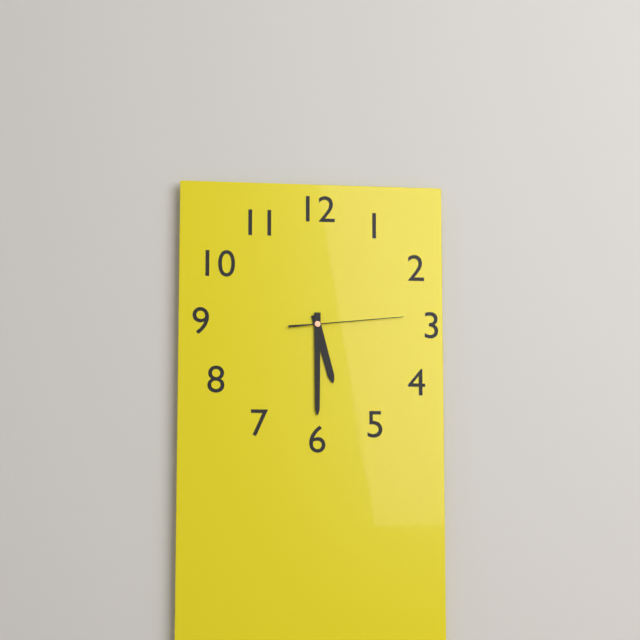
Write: 5:30:14
